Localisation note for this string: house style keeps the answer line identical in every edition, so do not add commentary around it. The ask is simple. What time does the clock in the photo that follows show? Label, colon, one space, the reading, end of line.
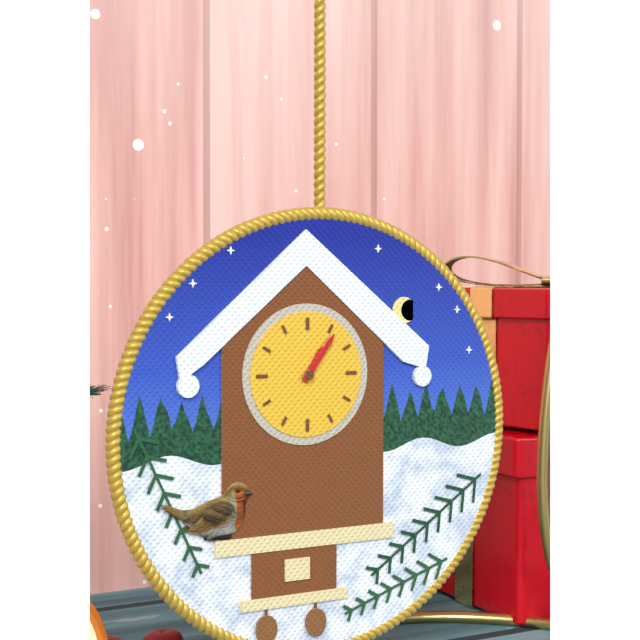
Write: 1:06
